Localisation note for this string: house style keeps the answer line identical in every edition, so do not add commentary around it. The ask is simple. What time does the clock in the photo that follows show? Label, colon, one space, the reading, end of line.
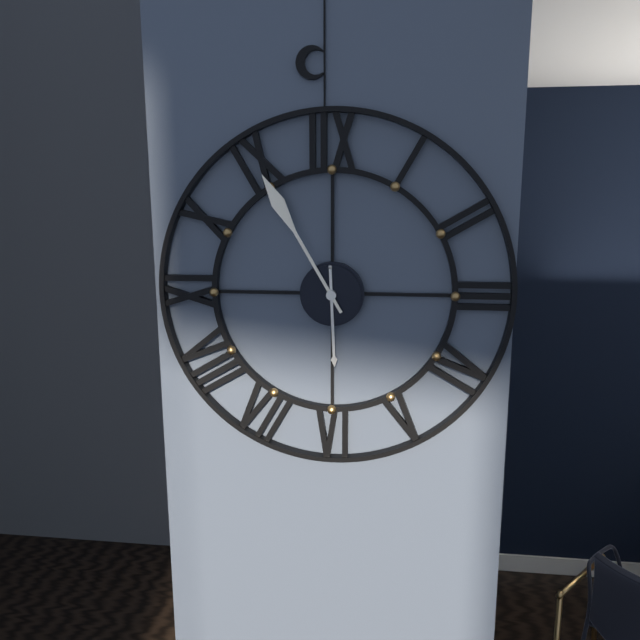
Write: 5:55
